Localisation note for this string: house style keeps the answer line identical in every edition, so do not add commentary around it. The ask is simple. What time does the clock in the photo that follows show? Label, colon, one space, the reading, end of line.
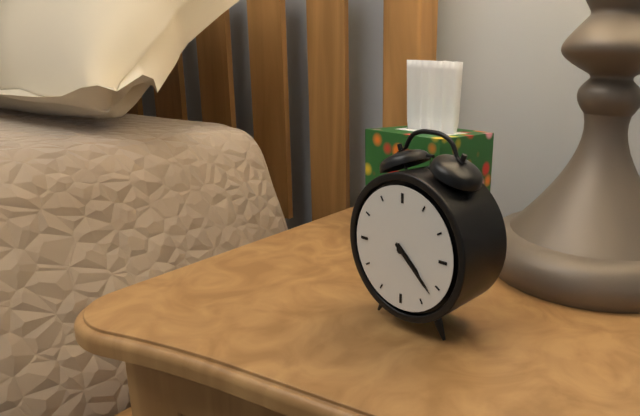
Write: 4:22
